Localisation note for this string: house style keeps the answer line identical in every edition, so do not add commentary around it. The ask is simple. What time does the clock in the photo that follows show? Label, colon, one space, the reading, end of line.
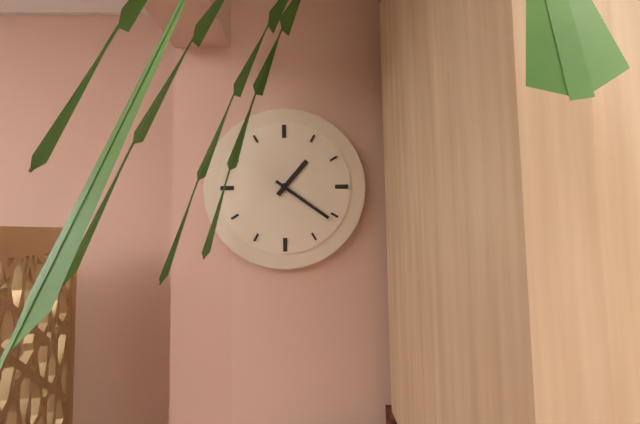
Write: 1:21
